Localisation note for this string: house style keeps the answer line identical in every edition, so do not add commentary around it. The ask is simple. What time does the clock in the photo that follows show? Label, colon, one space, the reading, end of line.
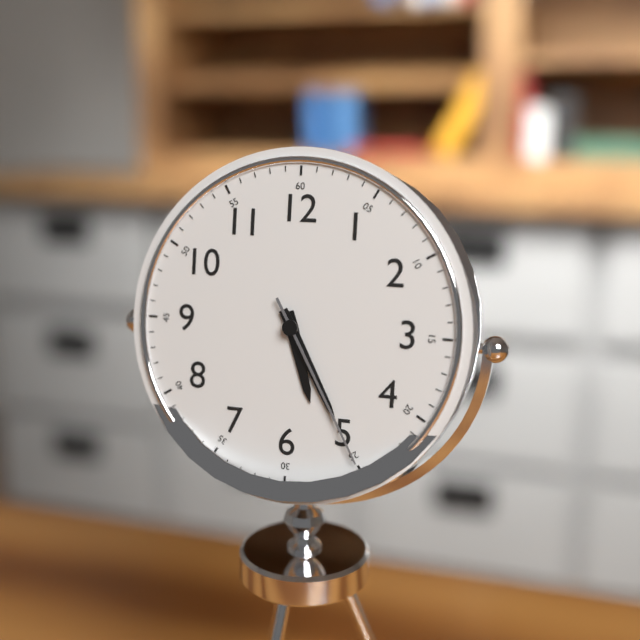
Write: 5:25:25
